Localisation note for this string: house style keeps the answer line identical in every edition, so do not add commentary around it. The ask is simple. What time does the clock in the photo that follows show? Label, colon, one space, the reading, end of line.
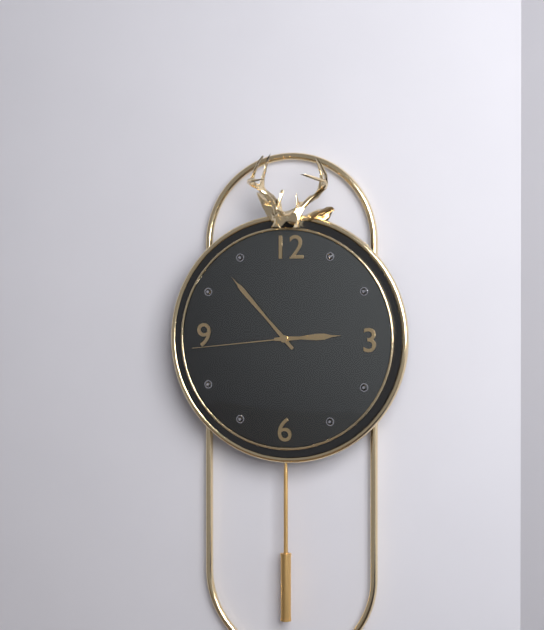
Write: 2:53:44
